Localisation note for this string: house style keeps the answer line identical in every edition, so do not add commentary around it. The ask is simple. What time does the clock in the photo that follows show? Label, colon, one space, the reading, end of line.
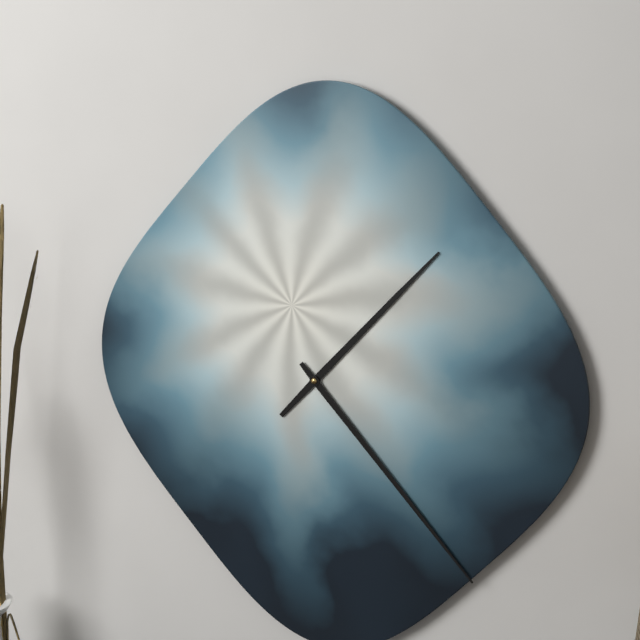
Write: 1:23
